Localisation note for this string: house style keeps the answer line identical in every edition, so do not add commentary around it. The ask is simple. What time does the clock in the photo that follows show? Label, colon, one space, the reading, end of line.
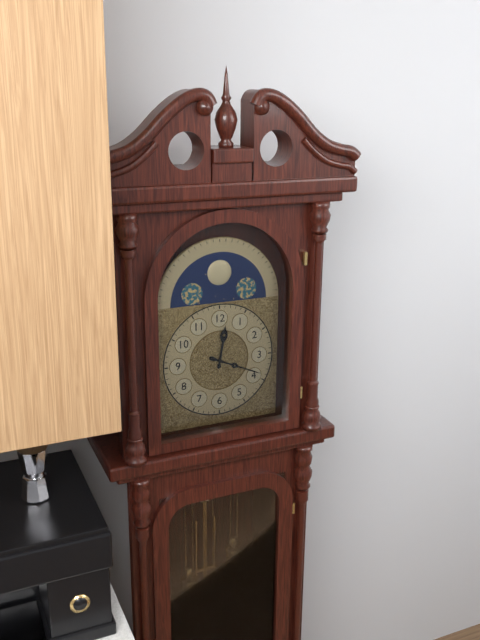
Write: 12:19
